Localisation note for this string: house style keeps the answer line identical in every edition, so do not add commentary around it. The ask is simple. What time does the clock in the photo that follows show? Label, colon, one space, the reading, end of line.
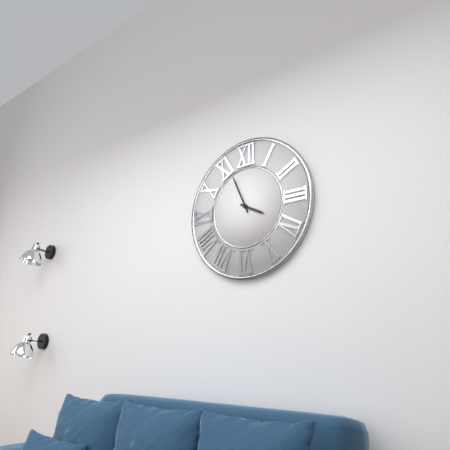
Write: 3:56
